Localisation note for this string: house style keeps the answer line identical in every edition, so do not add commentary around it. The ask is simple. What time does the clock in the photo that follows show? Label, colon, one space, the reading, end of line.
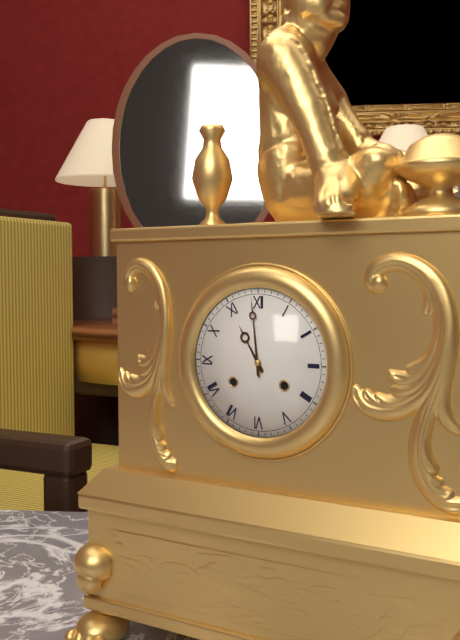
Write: 10:59
